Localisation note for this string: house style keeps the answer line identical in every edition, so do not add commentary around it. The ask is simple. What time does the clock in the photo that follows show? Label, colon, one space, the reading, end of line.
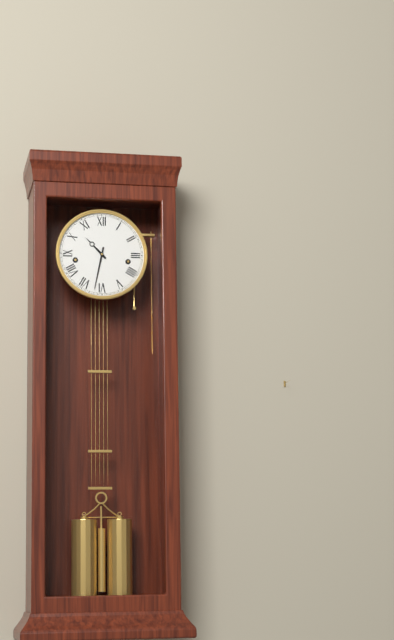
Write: 10:32
